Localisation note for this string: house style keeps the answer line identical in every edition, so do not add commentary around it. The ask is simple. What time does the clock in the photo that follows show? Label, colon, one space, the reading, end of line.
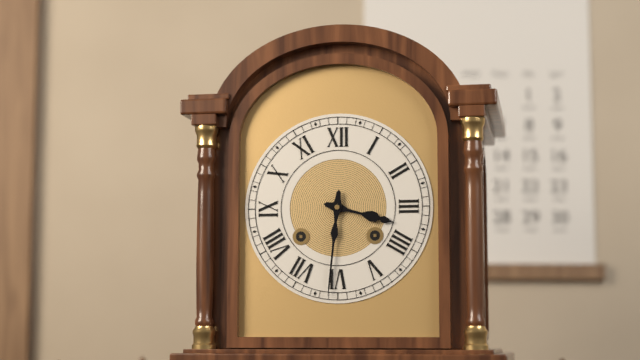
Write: 3:31
